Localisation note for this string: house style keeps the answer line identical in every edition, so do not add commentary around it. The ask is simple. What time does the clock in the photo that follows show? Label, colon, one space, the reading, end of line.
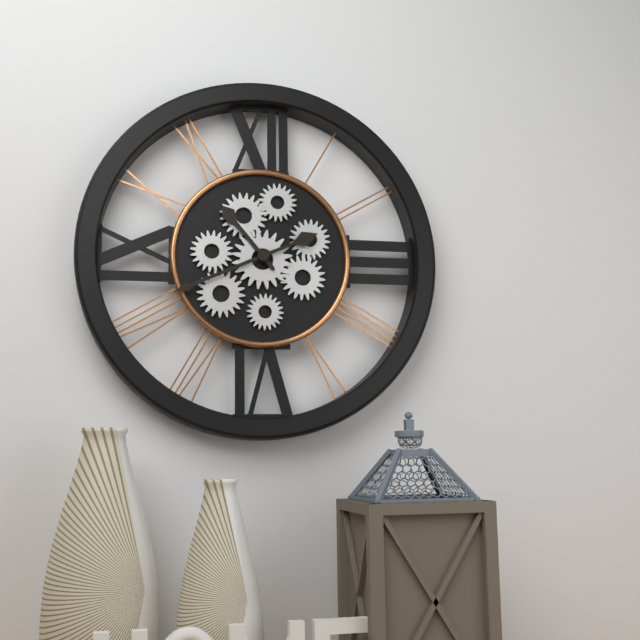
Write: 10:41
